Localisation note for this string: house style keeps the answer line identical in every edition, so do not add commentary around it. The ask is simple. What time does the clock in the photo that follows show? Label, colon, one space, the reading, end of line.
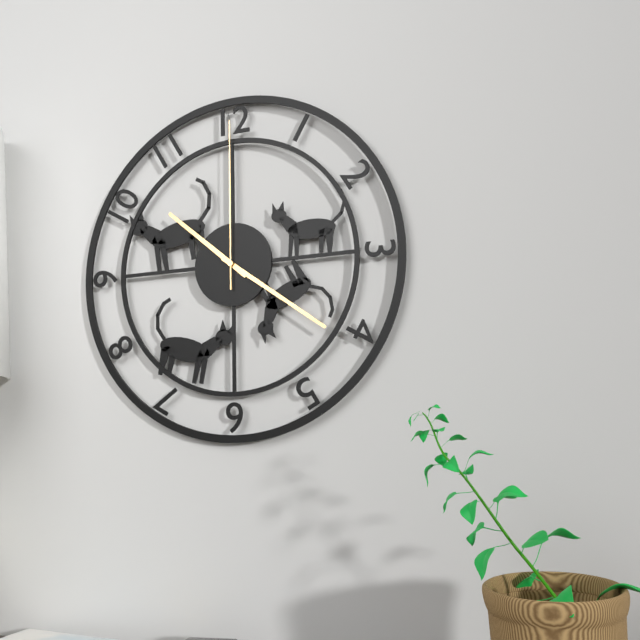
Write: 10:21:00
